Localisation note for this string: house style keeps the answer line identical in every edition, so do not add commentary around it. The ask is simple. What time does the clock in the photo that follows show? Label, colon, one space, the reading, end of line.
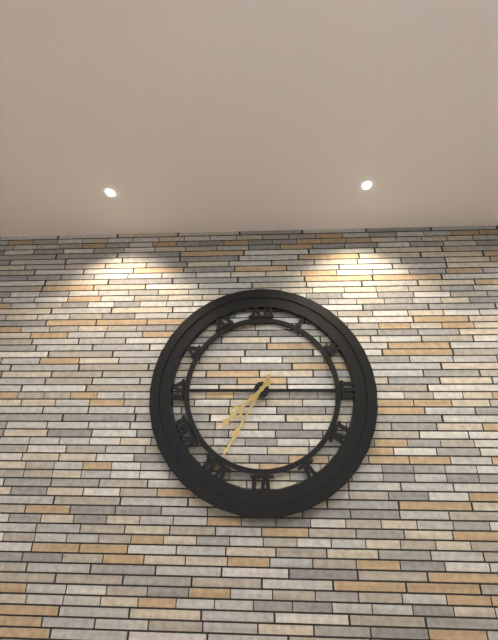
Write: 7:35
